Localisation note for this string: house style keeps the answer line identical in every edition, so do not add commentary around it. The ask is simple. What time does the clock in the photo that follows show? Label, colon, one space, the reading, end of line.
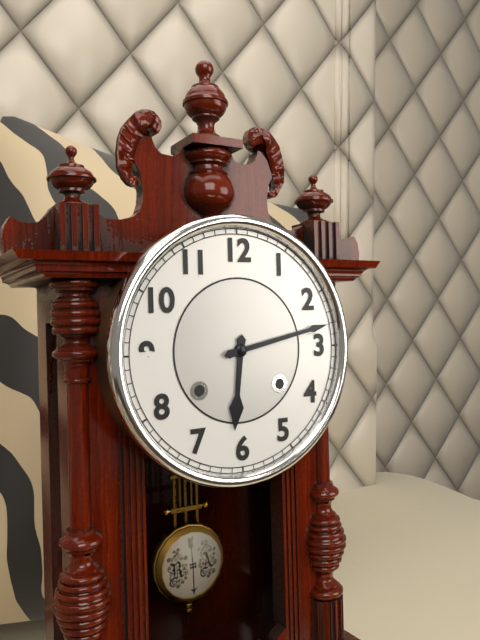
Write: 6:13
